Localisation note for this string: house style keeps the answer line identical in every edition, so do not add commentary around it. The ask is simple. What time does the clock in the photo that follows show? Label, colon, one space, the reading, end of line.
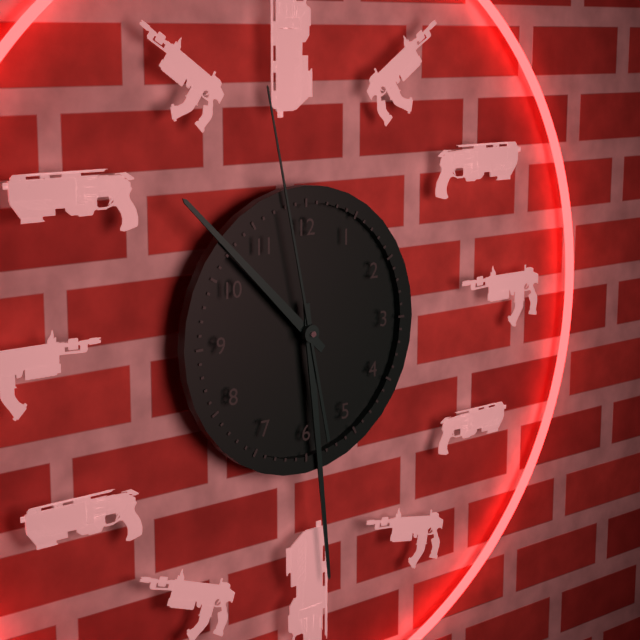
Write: 10:29:58
